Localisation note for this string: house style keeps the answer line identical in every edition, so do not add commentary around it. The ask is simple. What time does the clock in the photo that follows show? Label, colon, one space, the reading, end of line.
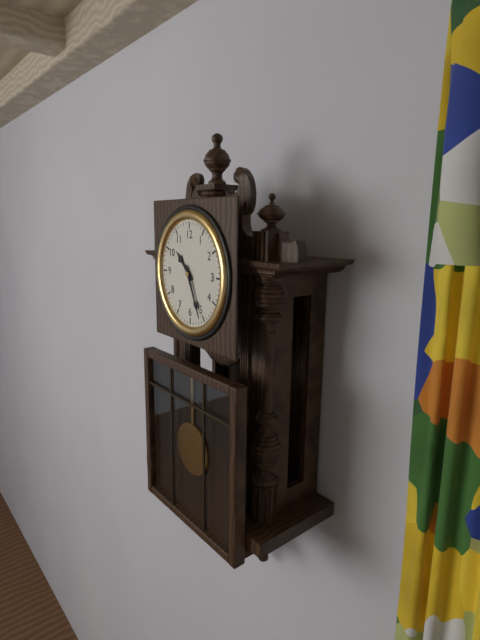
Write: 10:26
